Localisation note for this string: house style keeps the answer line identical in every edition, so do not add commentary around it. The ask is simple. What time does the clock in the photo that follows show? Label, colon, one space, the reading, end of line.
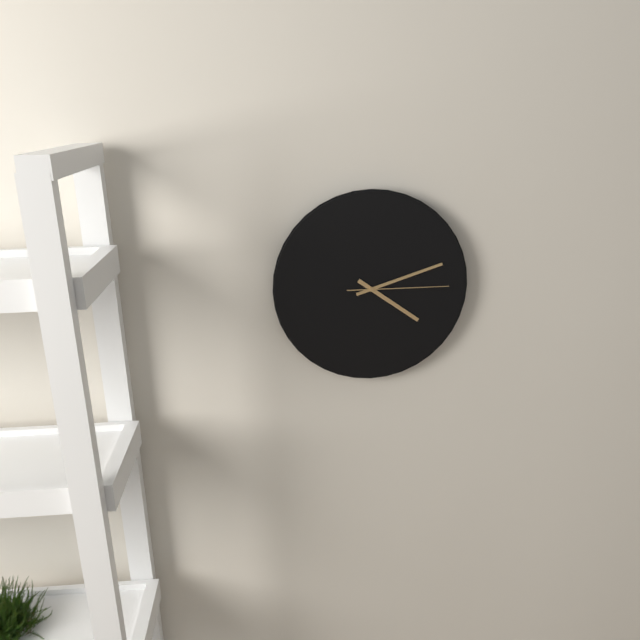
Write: 4:12:15
